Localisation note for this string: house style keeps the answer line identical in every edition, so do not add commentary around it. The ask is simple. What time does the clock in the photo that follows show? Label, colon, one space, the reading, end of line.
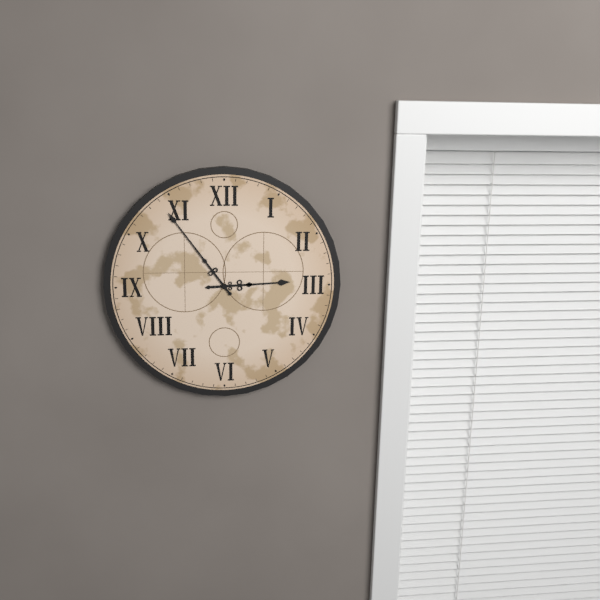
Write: 2:54
